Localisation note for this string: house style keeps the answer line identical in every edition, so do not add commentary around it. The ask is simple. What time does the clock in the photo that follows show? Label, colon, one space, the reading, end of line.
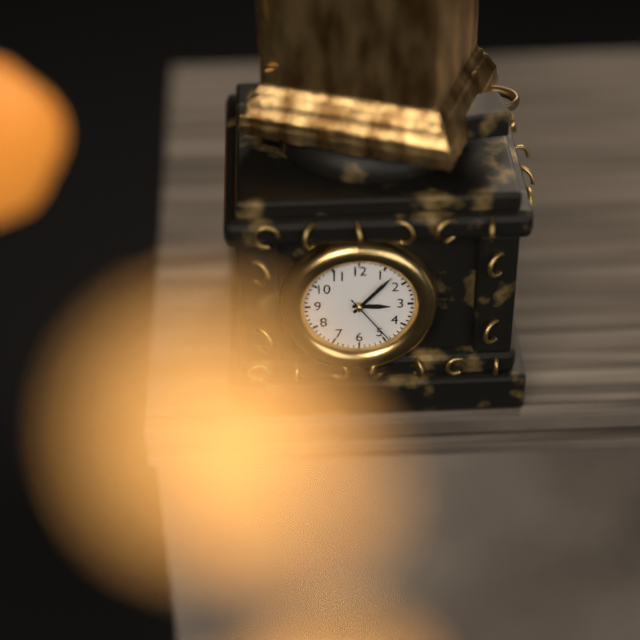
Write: 3:07:24
